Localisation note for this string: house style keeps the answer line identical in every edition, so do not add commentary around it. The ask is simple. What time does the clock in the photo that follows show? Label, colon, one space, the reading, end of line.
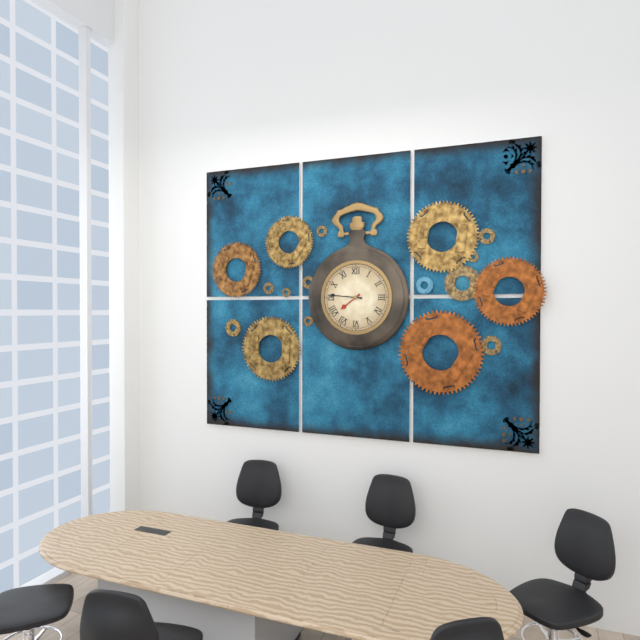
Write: 7:46
